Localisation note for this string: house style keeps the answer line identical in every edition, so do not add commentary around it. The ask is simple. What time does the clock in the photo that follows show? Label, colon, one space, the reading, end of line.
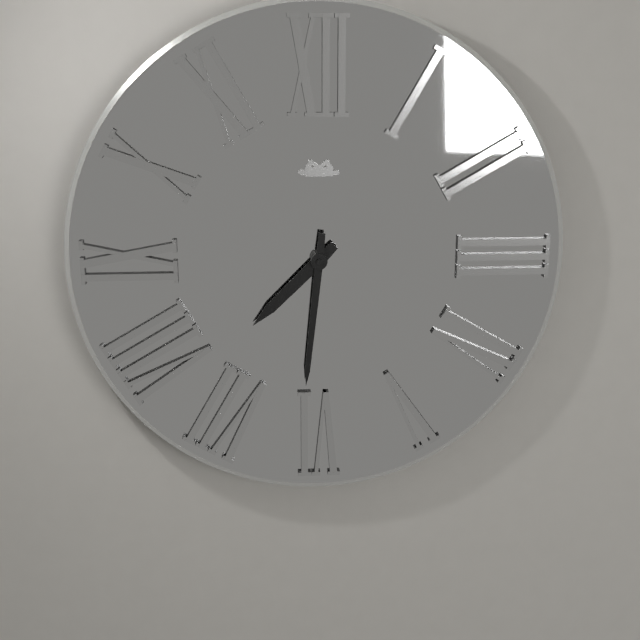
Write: 7:31
